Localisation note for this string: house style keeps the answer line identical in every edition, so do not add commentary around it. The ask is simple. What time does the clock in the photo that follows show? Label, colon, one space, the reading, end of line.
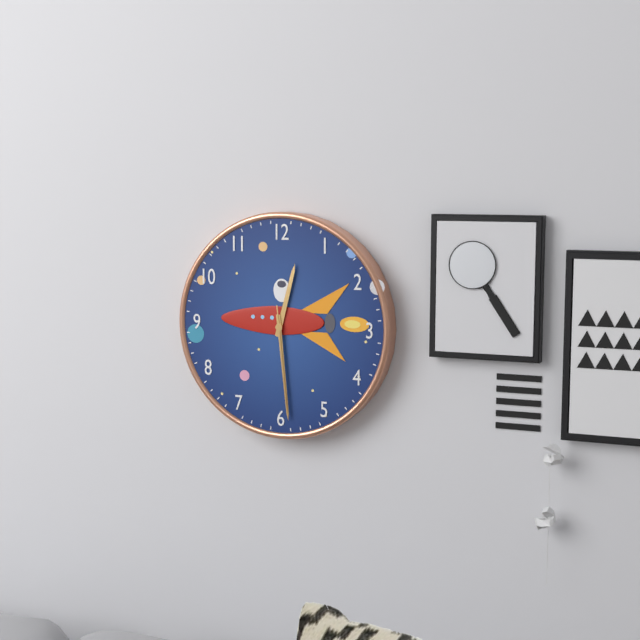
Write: 12:29:29
